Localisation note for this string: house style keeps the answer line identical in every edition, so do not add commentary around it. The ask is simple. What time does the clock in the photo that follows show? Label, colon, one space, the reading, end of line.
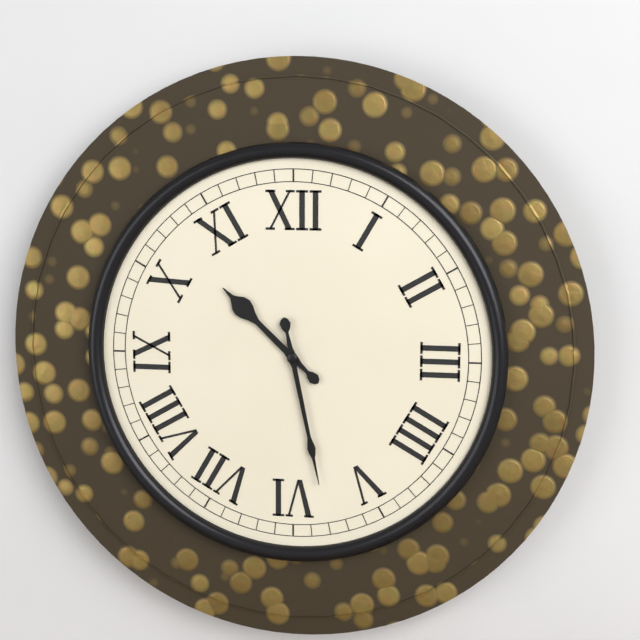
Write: 10:28
